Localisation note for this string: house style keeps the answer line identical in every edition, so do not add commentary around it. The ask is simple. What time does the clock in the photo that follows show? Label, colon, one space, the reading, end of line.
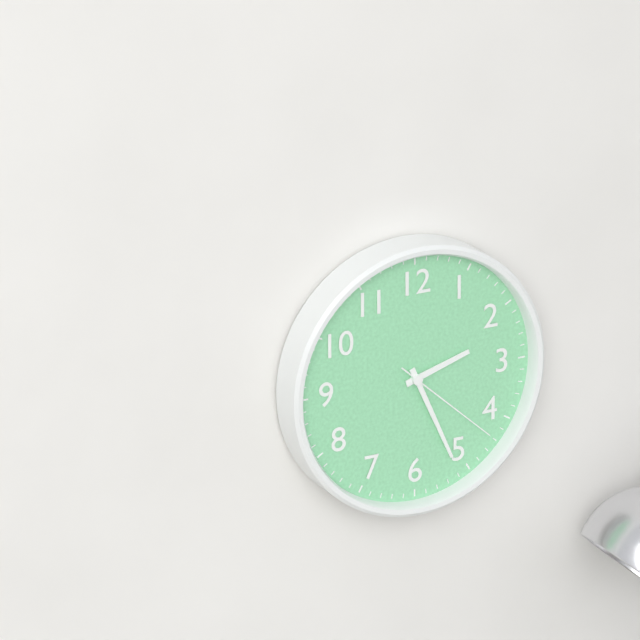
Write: 2:26:22
